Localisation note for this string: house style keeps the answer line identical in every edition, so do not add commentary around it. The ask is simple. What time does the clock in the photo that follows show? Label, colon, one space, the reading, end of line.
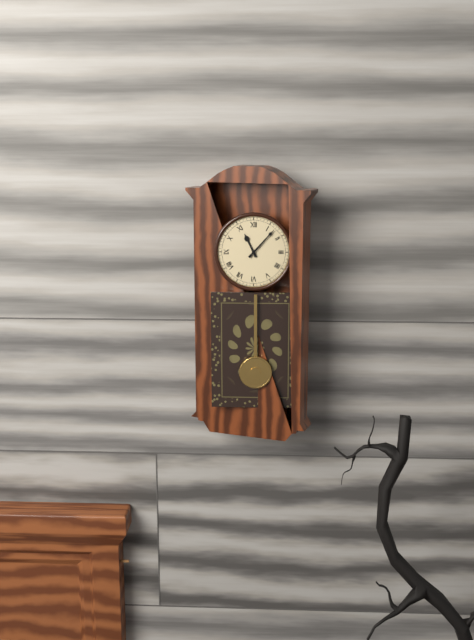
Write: 11:07
